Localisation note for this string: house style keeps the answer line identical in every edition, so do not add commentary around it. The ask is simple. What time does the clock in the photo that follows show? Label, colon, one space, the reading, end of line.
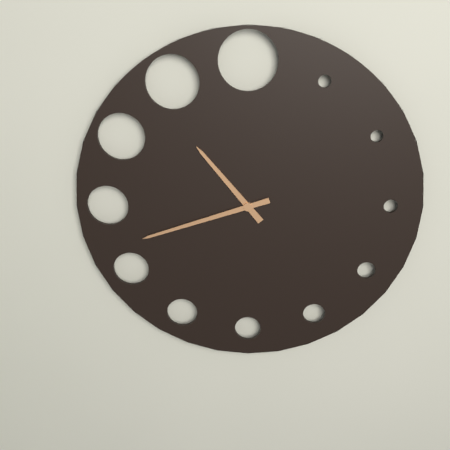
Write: 10:42
